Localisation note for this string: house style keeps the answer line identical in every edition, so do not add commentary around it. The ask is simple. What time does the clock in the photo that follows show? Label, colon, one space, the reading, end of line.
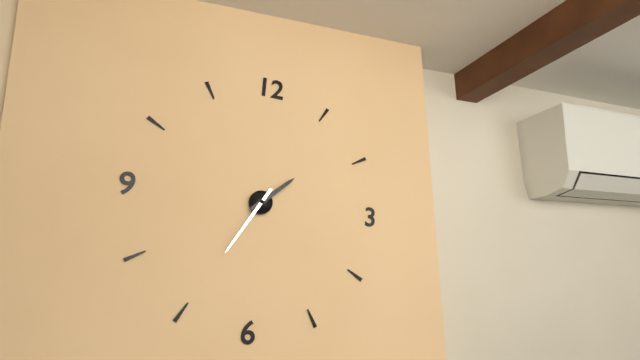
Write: 1:35
